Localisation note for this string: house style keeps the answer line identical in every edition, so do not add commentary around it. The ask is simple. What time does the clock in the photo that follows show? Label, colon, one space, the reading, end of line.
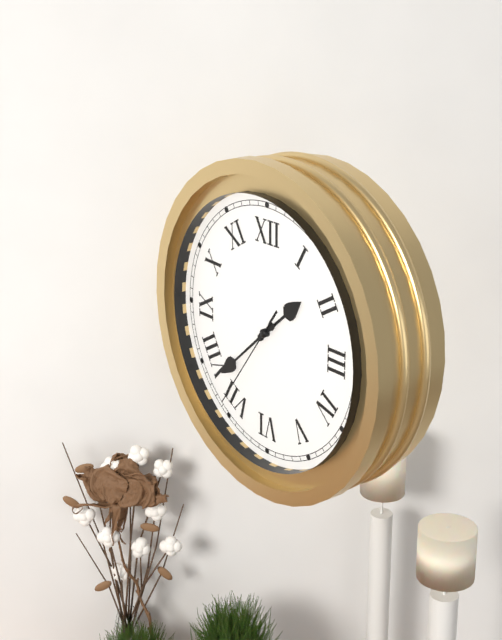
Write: 1:38:36
